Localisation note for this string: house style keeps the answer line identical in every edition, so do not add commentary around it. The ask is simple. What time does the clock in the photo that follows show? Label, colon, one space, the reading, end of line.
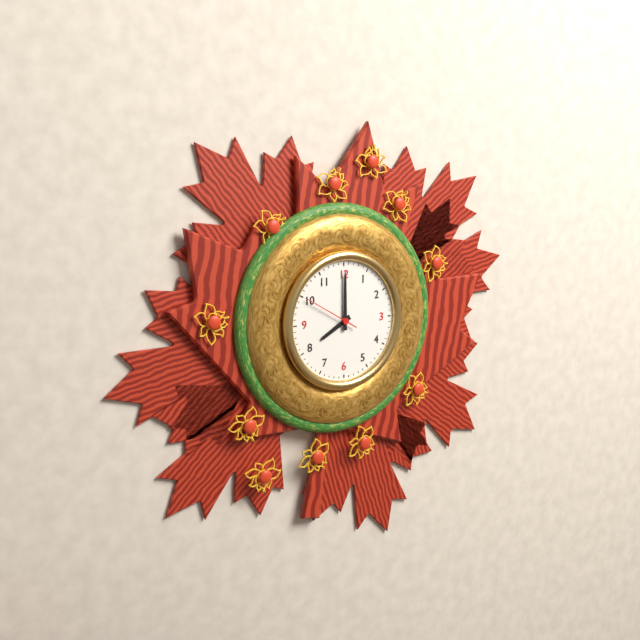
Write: 8:00:50
